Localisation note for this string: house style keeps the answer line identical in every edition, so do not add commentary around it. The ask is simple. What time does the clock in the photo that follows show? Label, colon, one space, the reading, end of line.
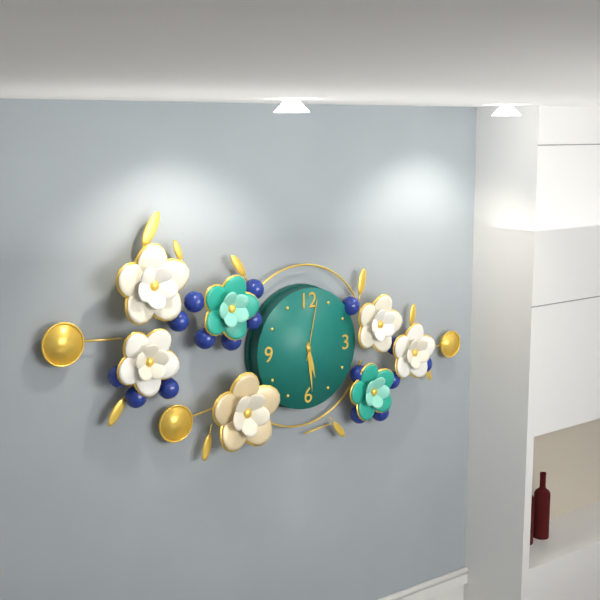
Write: 5:29:02
